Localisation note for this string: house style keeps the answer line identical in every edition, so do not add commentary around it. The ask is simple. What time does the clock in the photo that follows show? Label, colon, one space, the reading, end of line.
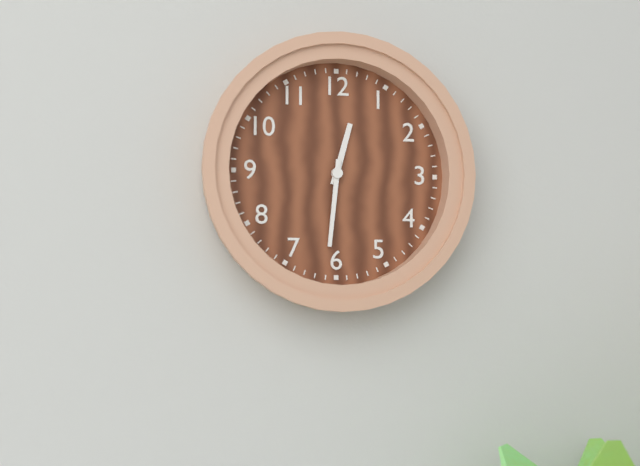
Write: 12:31
